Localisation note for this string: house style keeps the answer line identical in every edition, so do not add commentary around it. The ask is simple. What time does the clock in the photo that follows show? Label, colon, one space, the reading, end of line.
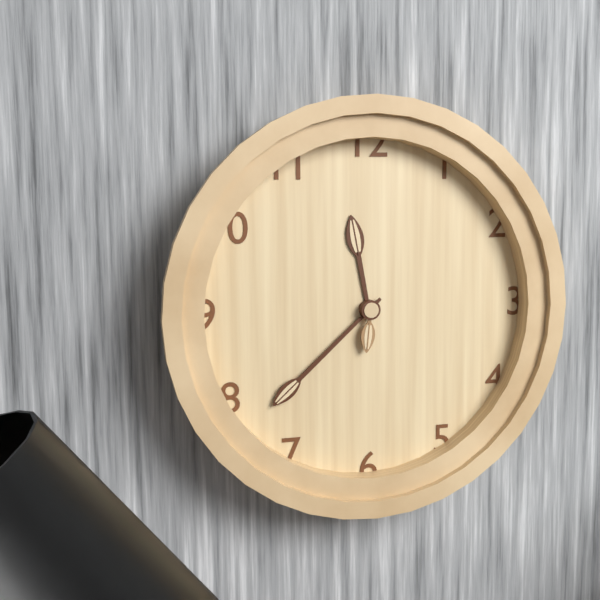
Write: 11:38:31
